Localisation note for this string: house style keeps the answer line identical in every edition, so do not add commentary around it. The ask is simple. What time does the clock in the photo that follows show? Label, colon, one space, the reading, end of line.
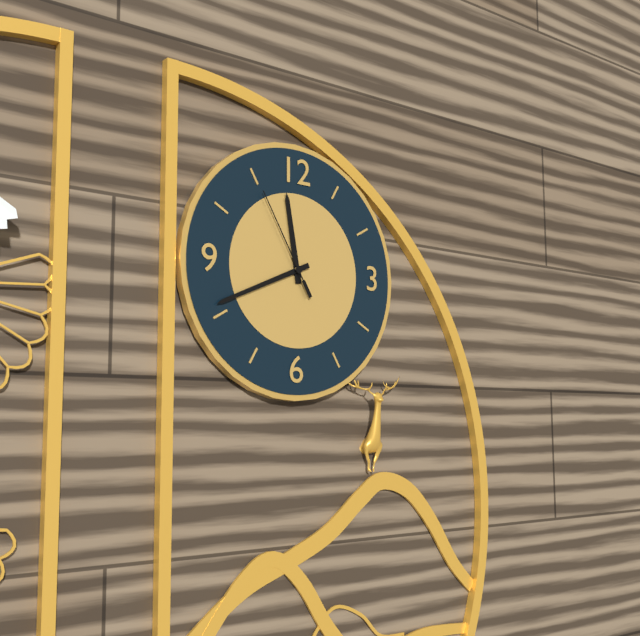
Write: 11:41:55
